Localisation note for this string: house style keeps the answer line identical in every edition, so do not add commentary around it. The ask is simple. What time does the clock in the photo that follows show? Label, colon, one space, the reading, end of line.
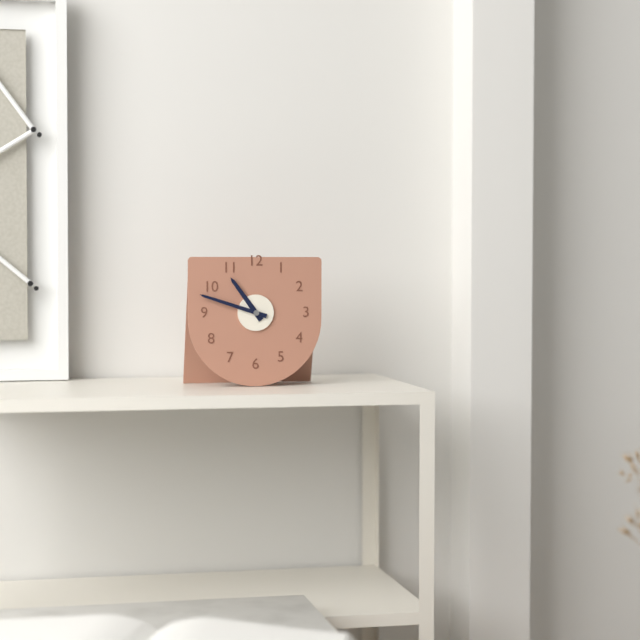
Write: 10:48
